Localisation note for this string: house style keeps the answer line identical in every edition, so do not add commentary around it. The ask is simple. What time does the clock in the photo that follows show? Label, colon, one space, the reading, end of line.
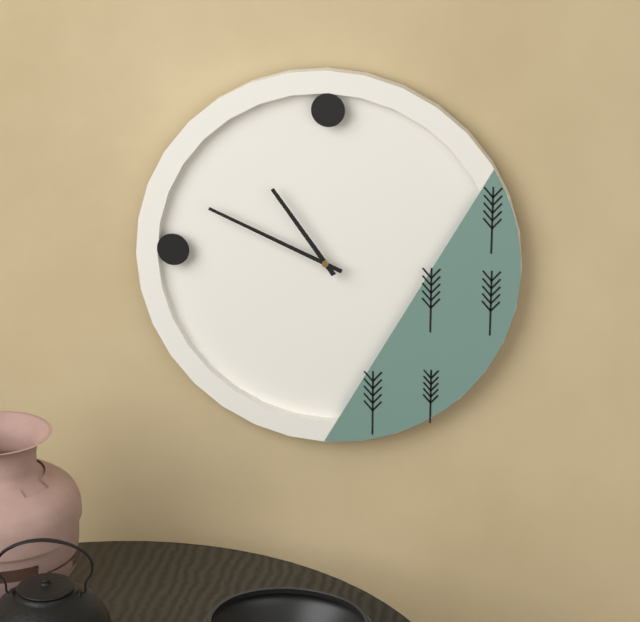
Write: 10:49
